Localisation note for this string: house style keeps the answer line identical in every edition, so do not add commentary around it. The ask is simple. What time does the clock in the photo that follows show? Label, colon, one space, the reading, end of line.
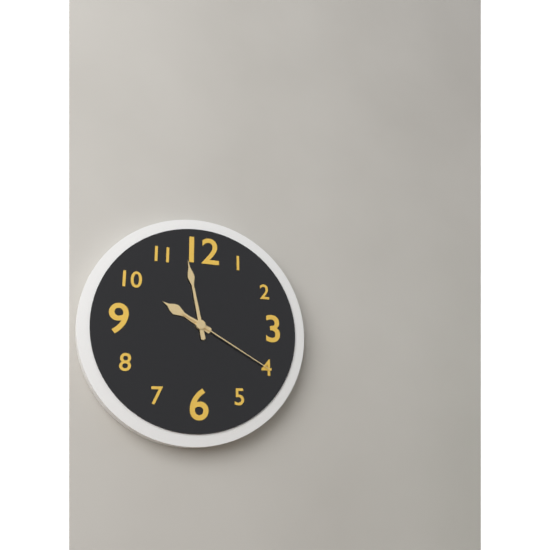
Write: 9:58:20
